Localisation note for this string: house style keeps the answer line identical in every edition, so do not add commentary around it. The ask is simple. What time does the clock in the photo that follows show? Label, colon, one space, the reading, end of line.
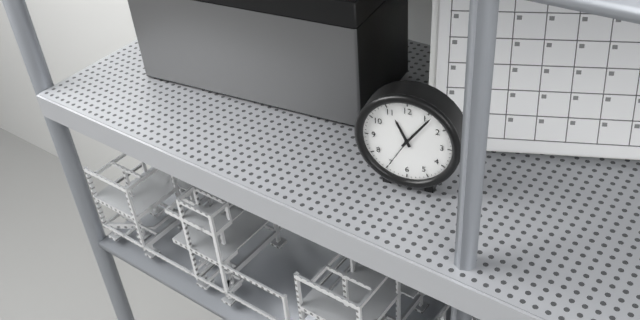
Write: 11:06
